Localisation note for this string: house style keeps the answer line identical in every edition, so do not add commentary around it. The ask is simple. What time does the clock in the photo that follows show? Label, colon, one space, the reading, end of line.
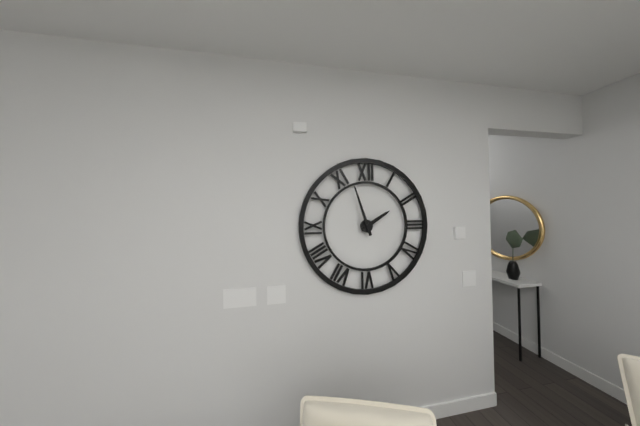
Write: 1:57
